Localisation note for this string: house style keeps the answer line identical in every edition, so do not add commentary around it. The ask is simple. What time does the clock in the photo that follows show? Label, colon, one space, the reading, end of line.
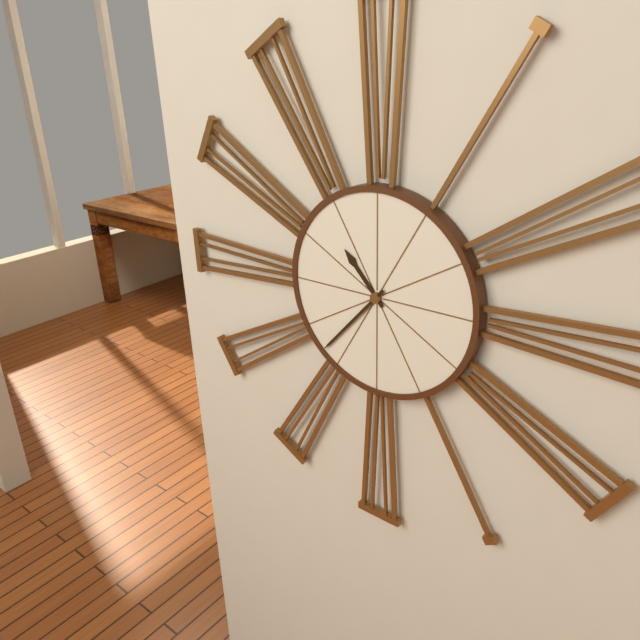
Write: 10:37
